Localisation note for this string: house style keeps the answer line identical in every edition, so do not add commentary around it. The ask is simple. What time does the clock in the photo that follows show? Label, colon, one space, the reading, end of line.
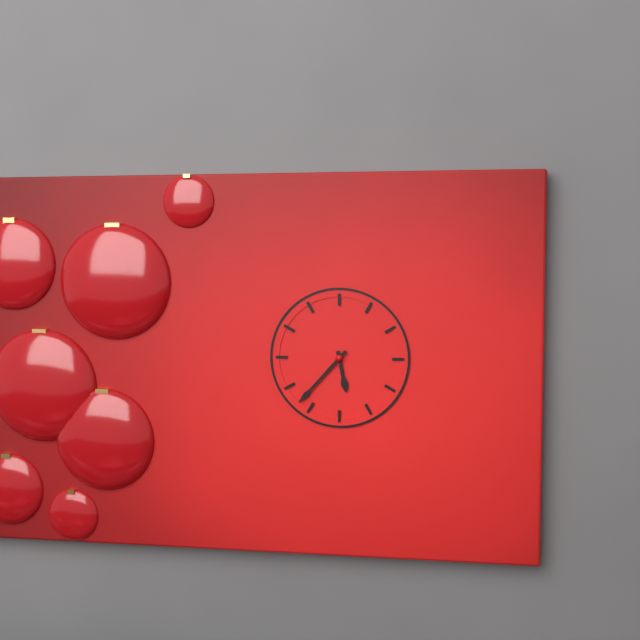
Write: 5:37
